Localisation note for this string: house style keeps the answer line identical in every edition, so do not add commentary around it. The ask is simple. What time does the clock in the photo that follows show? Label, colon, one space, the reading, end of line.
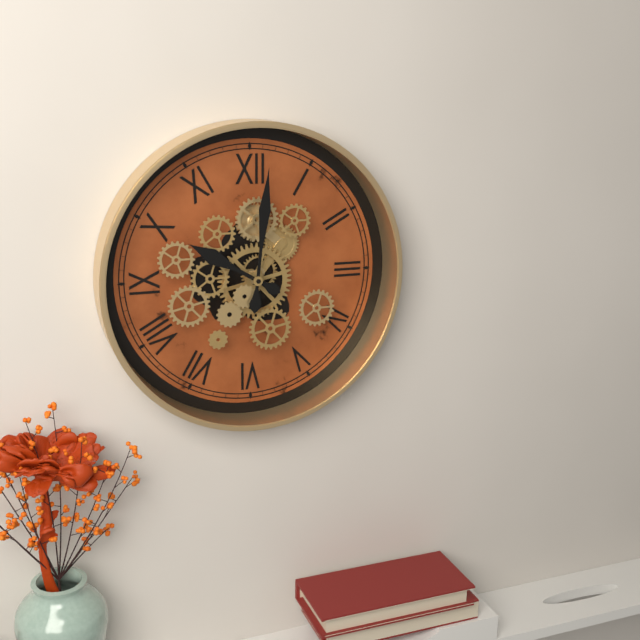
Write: 10:01
